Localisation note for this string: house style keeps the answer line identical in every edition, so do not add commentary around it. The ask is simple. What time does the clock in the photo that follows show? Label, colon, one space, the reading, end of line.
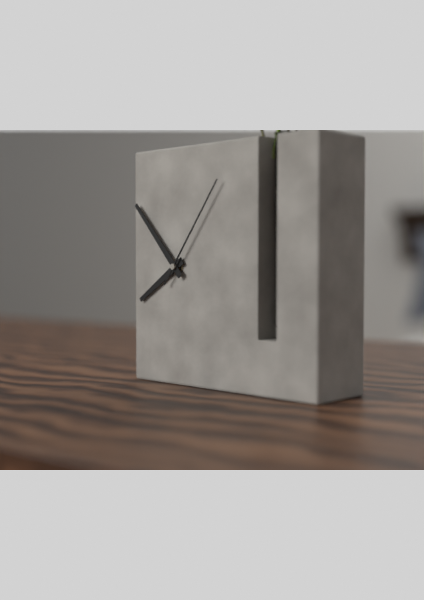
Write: 7:53:06
